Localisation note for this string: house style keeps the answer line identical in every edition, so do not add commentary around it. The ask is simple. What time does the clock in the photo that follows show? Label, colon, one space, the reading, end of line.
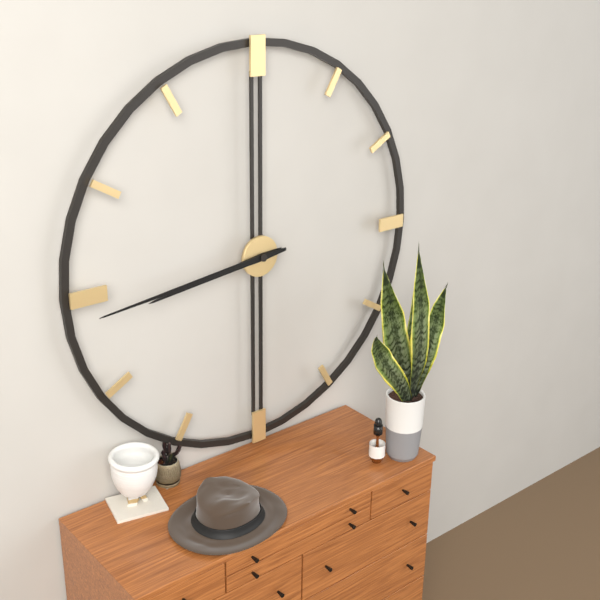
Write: 8:44
